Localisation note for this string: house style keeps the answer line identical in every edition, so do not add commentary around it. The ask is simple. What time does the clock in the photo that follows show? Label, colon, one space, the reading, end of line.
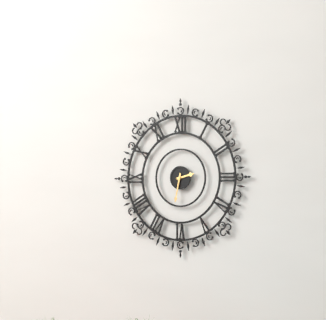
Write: 2:32
